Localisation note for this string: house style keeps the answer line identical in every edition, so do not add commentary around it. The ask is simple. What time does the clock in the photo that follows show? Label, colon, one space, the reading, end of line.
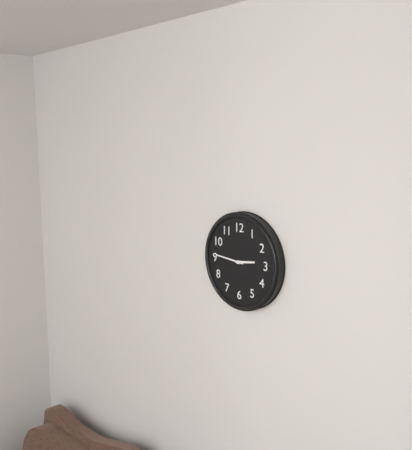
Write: 2:46
